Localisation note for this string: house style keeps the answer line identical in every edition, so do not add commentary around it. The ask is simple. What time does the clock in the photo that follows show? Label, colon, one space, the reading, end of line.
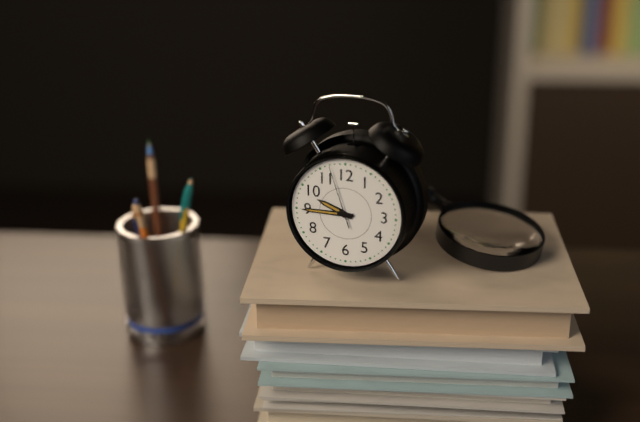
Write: 9:45:57
